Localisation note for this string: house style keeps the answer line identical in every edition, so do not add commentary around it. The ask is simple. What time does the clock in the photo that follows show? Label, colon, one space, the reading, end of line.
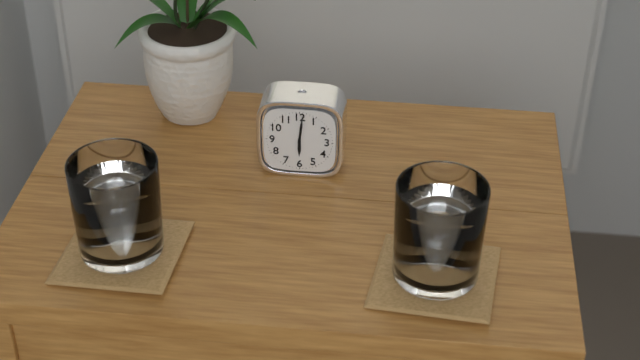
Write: 6:01
